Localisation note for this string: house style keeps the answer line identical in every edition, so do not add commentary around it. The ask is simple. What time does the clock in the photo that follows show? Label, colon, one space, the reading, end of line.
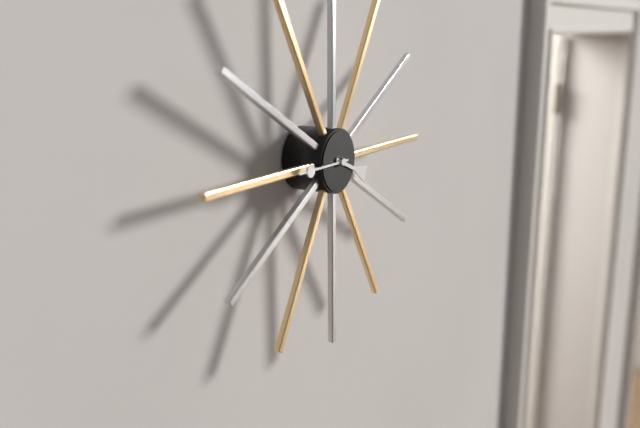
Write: 3:45
